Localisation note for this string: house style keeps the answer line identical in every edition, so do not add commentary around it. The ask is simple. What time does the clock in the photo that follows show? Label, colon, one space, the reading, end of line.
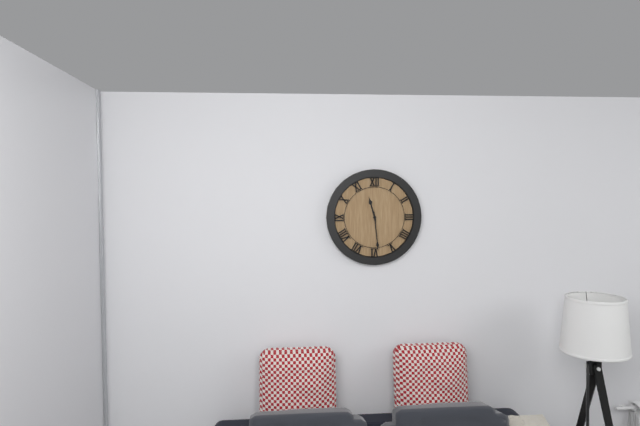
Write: 11:29
